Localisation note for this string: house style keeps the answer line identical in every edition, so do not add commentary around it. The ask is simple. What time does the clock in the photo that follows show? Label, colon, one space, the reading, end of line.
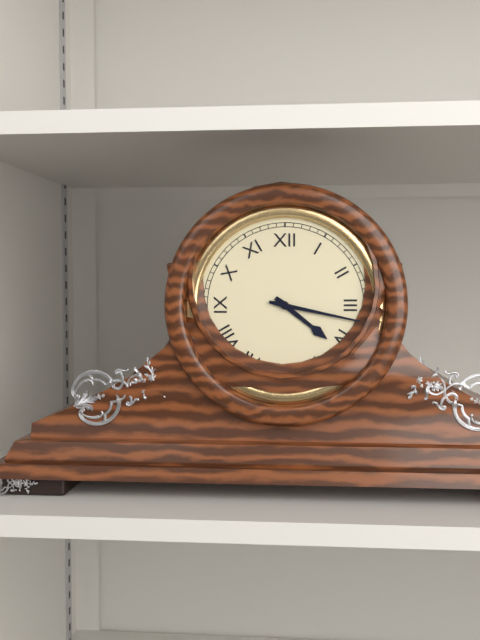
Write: 4:17
